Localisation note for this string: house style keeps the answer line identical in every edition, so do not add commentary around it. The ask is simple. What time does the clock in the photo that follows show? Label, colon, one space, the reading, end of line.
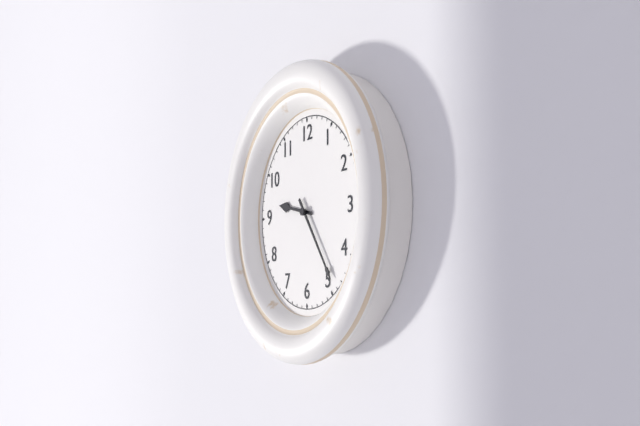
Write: 9:24
